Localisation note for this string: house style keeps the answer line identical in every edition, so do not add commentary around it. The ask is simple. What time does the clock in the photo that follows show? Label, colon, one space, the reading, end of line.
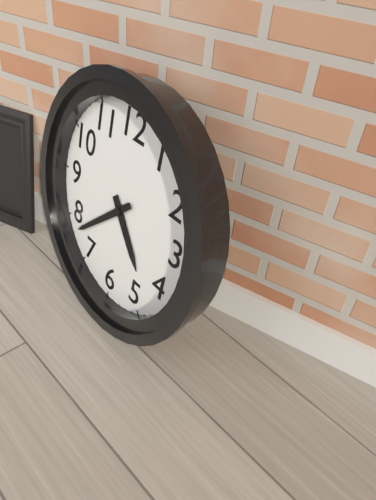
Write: 4:38
